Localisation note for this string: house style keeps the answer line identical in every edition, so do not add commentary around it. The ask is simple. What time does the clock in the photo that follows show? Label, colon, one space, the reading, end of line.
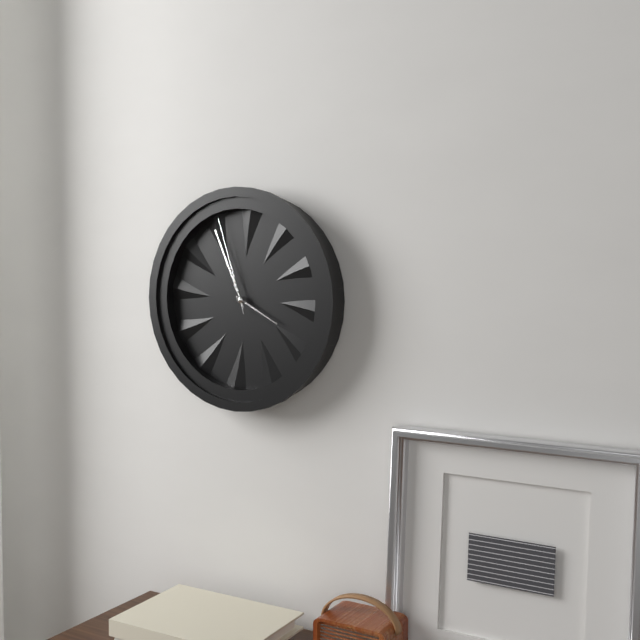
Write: 3:56:57
